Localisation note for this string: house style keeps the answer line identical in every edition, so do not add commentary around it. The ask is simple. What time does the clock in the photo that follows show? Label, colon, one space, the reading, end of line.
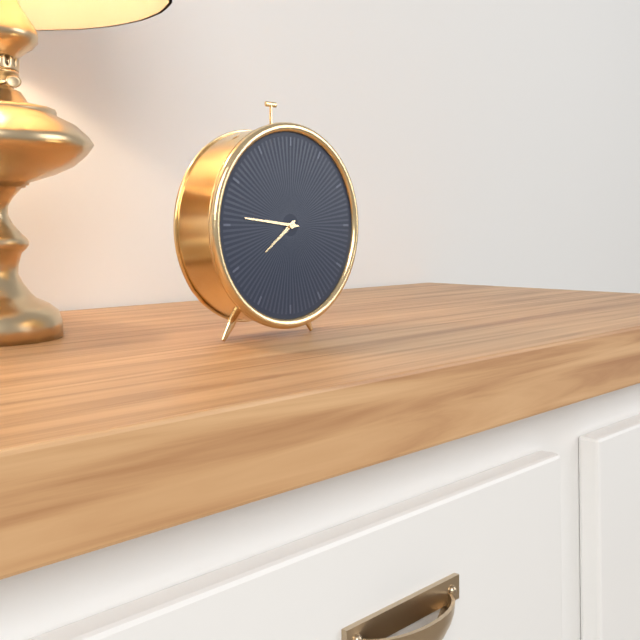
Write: 7:46
